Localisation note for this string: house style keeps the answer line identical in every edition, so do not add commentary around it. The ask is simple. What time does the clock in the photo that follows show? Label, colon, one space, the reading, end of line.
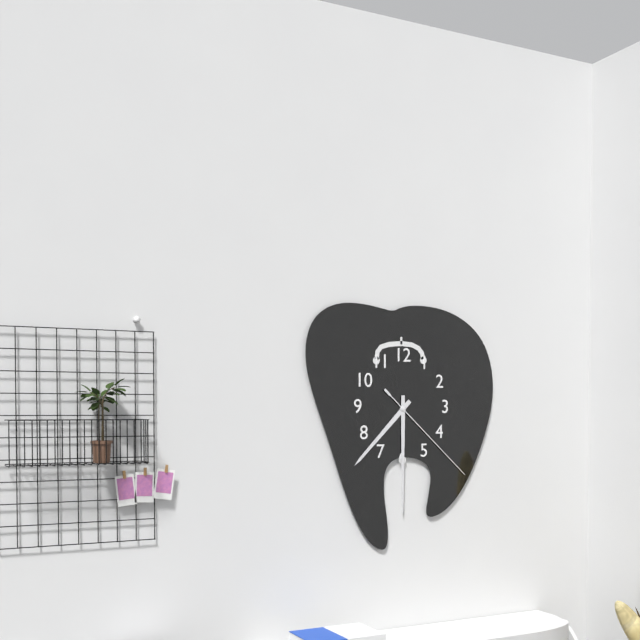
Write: 7:30:22
